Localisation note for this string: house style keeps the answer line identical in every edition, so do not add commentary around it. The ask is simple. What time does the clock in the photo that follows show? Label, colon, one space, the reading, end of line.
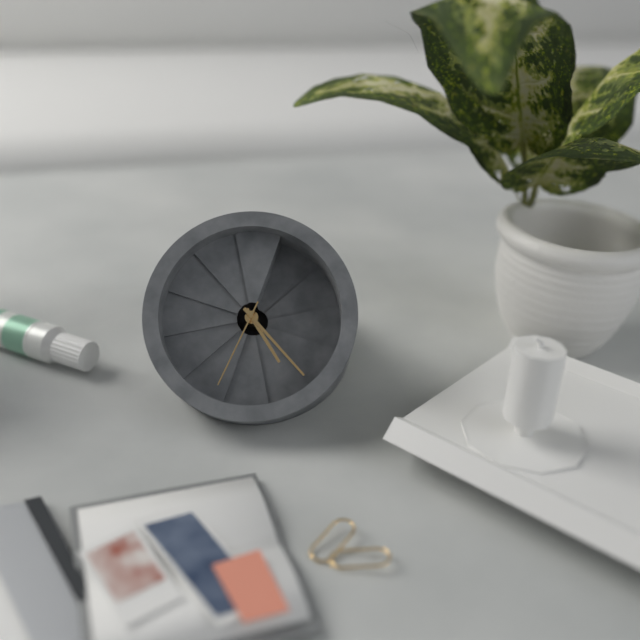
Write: 4:20:31
